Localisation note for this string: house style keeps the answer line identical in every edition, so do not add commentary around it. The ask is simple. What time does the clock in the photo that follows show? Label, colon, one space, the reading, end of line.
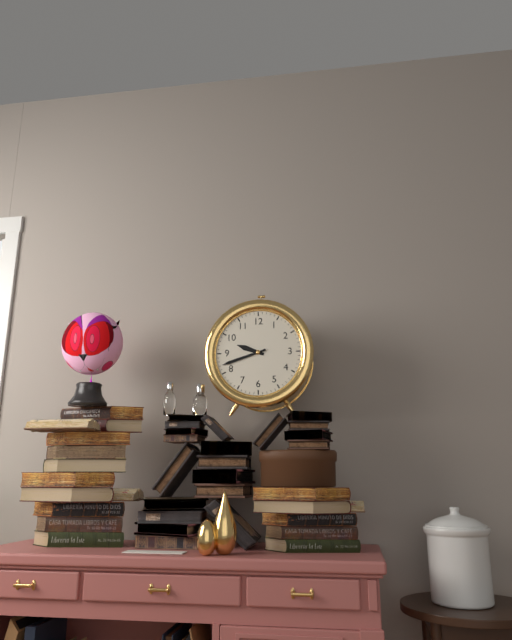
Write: 9:42
